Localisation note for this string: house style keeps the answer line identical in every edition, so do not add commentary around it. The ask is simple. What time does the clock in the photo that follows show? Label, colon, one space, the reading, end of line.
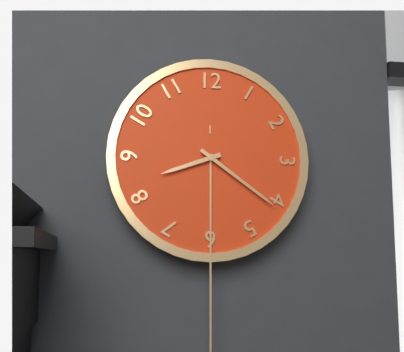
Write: 8:21
